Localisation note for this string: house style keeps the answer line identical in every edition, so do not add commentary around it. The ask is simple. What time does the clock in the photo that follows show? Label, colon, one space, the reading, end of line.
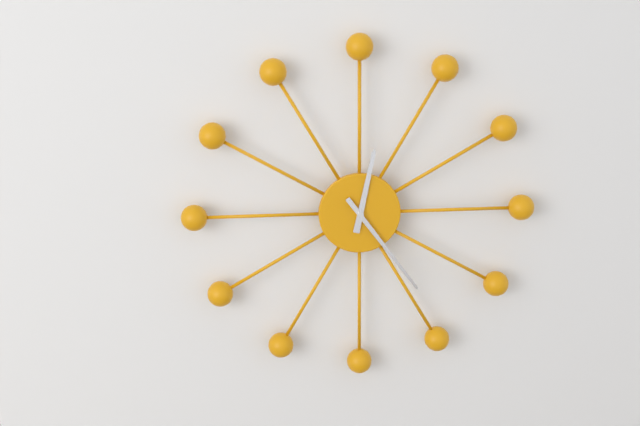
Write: 12:24
